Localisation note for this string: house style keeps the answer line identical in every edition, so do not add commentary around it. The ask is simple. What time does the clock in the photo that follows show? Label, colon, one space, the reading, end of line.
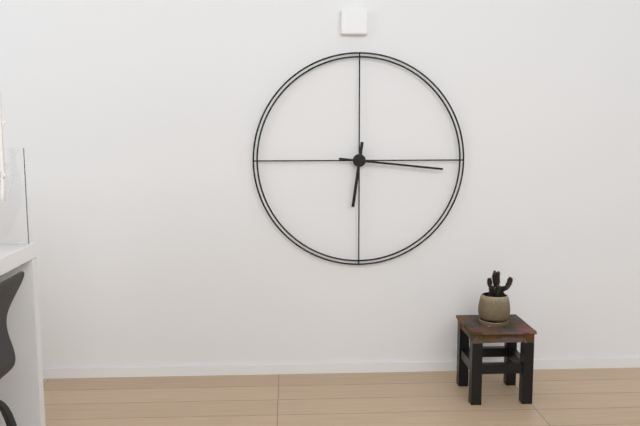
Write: 6:16
